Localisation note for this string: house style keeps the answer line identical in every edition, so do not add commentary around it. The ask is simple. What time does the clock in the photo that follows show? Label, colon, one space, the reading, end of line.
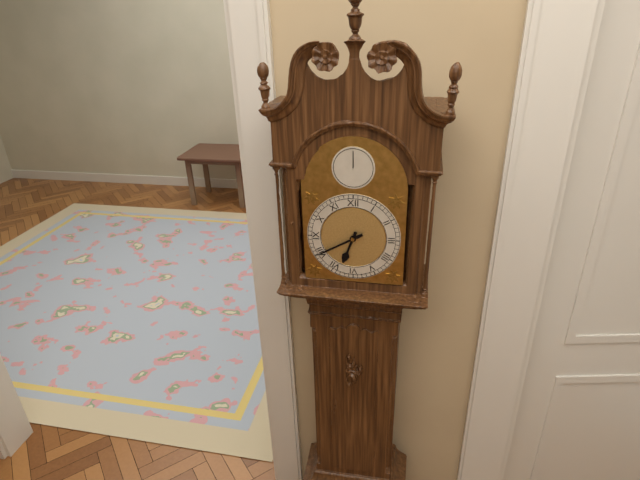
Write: 6:40
